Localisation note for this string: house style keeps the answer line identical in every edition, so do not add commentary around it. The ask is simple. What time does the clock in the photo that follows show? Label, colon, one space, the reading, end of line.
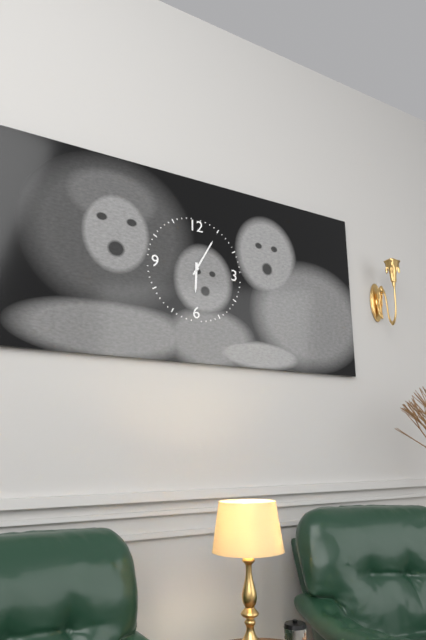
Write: 6:05
